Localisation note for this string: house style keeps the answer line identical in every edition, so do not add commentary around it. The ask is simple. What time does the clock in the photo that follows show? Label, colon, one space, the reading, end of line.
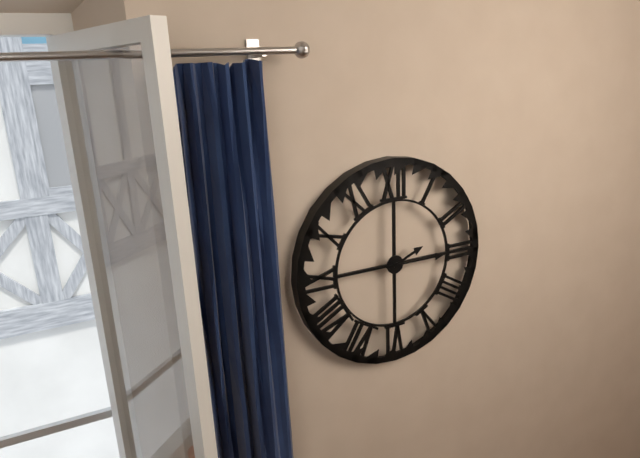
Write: 2:15
